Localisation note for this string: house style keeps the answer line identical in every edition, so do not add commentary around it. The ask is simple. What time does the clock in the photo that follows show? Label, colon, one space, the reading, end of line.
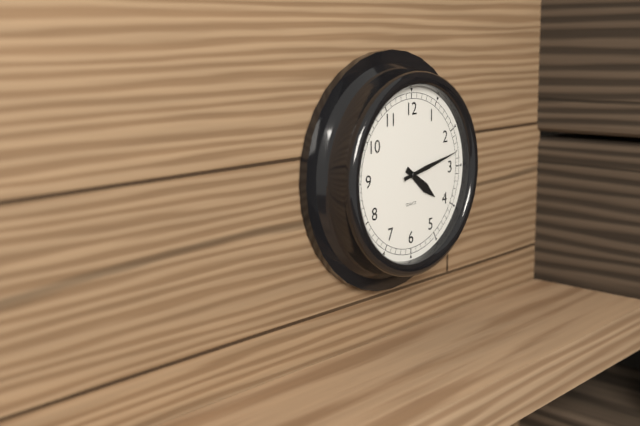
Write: 4:13
